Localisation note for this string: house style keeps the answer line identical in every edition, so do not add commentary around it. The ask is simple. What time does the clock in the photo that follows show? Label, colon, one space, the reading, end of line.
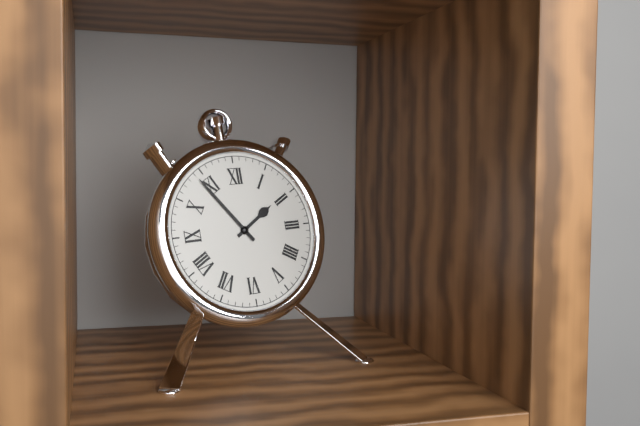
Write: 1:54
